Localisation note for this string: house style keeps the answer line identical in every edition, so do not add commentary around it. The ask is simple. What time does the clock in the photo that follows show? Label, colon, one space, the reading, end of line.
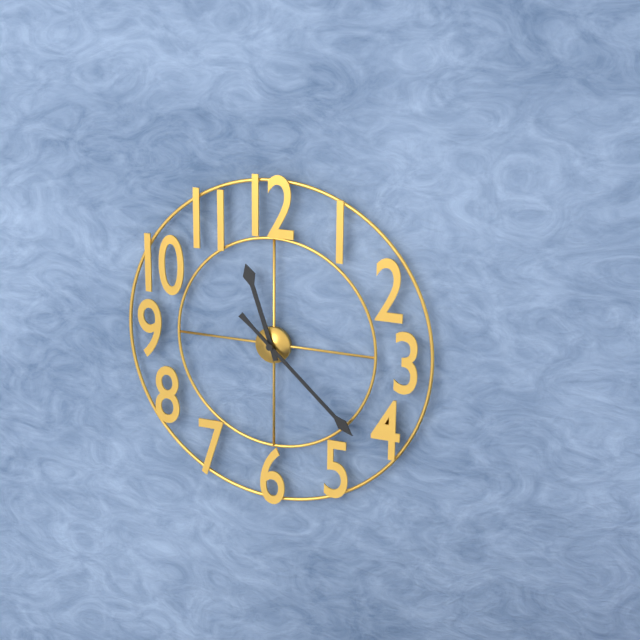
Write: 11:22
